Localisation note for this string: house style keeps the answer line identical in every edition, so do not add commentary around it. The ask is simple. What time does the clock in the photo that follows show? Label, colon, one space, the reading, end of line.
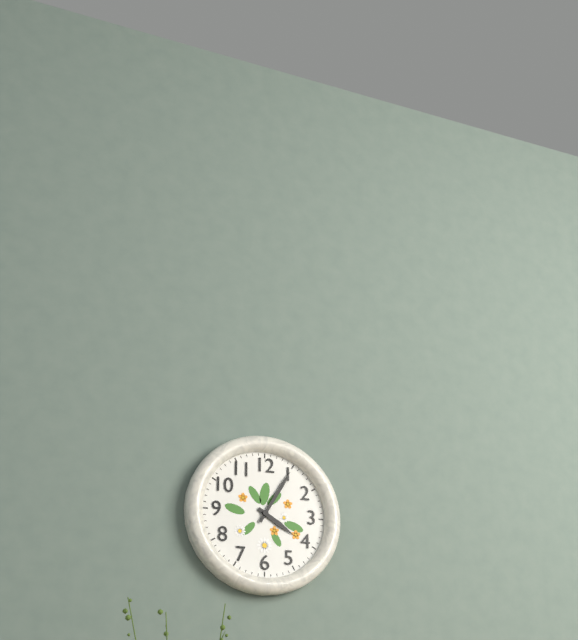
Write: 4:05
